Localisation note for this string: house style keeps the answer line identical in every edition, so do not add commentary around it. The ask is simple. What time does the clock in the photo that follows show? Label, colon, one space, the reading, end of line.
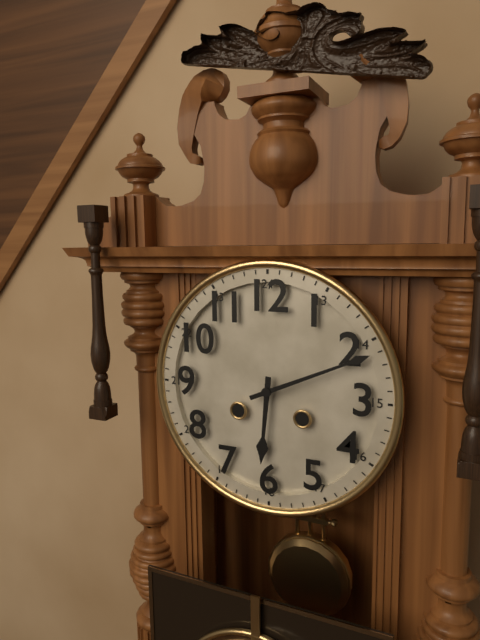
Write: 6:11
